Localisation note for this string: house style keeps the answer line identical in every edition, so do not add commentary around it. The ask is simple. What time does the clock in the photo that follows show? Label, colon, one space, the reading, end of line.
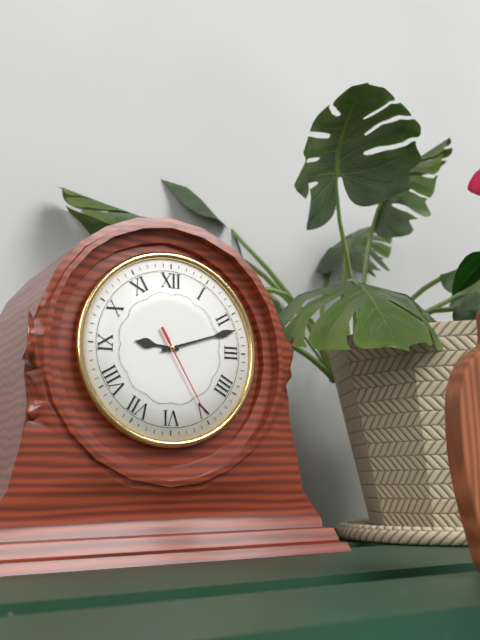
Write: 9:12:25
